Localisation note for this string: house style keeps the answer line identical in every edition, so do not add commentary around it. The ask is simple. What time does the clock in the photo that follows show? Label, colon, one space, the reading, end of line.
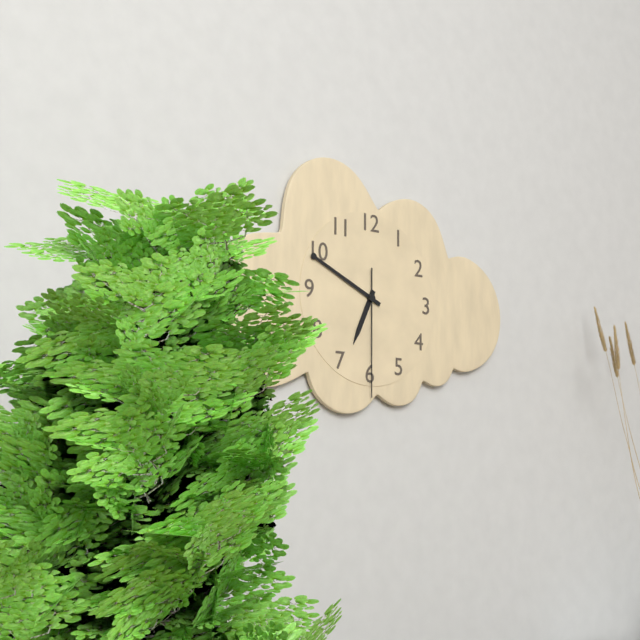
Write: 6:49:30
